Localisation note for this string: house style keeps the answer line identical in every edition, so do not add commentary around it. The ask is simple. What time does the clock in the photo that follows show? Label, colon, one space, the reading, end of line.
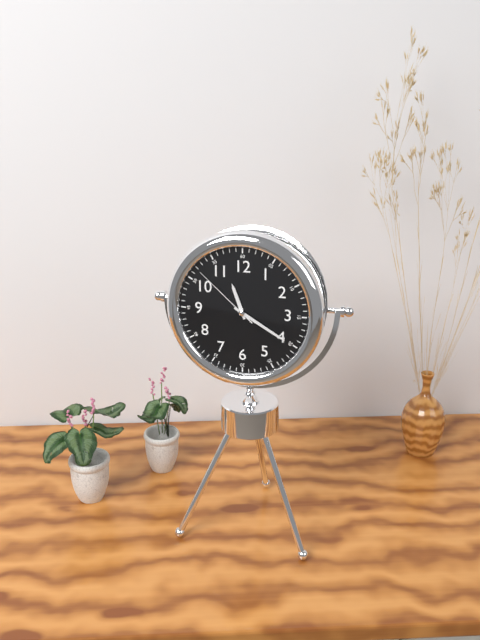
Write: 11:20:52
